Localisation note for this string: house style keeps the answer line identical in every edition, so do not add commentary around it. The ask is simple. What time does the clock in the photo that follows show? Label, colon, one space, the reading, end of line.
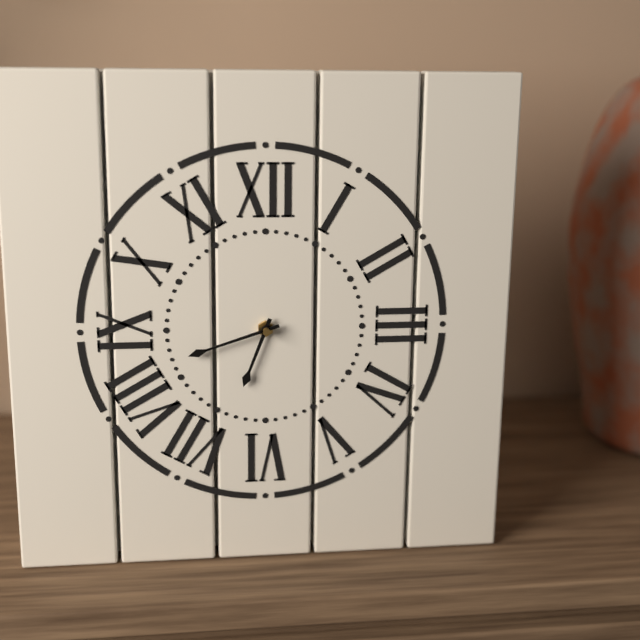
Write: 6:42
